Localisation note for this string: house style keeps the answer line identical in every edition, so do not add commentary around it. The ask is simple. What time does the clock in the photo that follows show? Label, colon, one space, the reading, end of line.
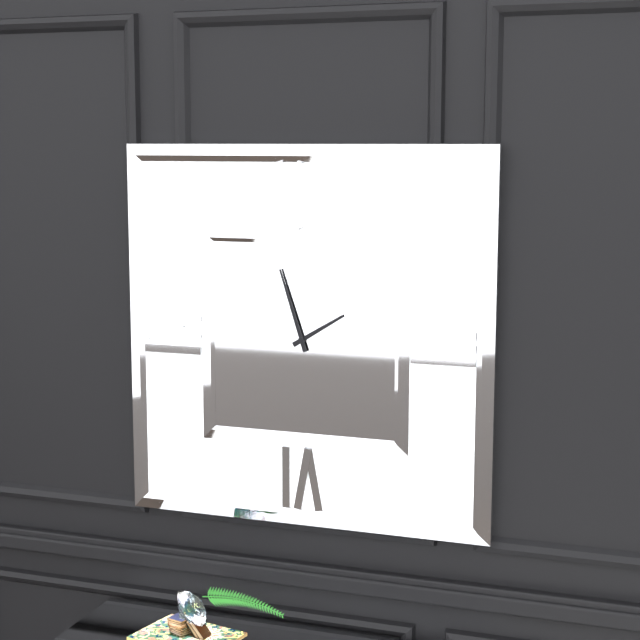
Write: 1:57
